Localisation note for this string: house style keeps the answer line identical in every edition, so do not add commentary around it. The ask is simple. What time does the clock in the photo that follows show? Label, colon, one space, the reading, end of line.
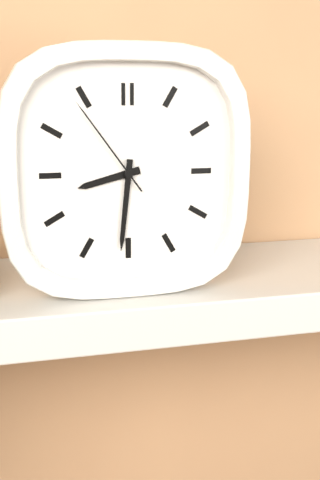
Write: 8:31:54
